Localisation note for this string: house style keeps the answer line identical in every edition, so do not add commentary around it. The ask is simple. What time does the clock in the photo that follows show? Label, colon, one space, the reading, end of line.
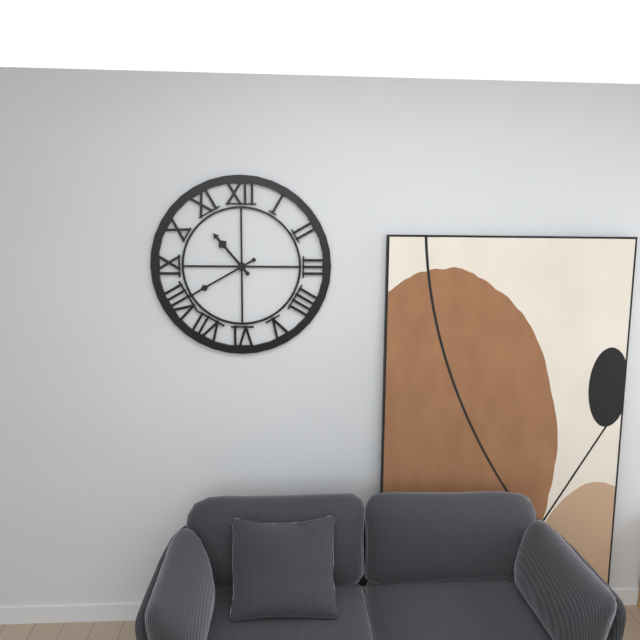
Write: 10:40
